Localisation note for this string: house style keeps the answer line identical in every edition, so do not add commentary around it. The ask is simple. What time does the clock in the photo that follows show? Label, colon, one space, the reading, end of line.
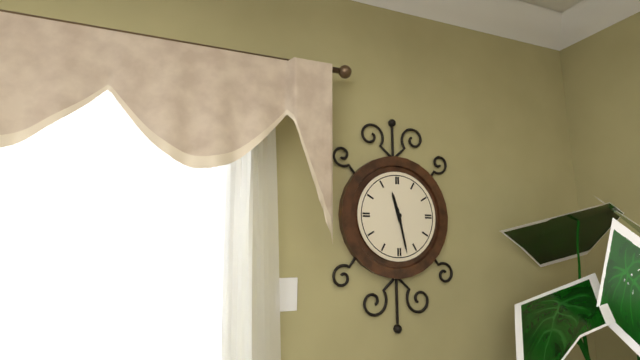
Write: 11:28
